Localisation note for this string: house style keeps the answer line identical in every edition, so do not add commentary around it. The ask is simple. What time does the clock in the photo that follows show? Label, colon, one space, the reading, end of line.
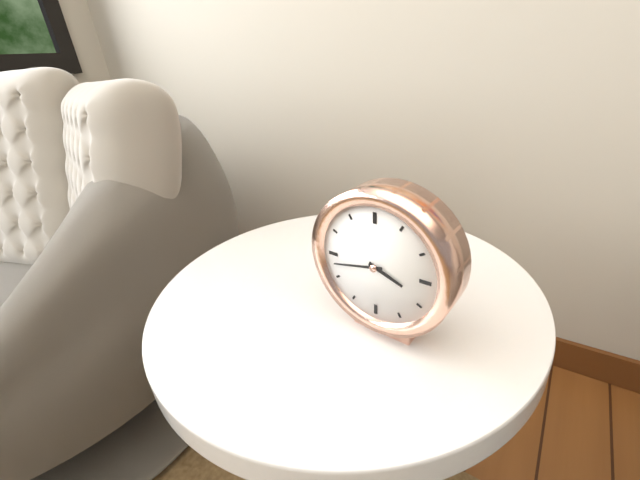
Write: 3:43
